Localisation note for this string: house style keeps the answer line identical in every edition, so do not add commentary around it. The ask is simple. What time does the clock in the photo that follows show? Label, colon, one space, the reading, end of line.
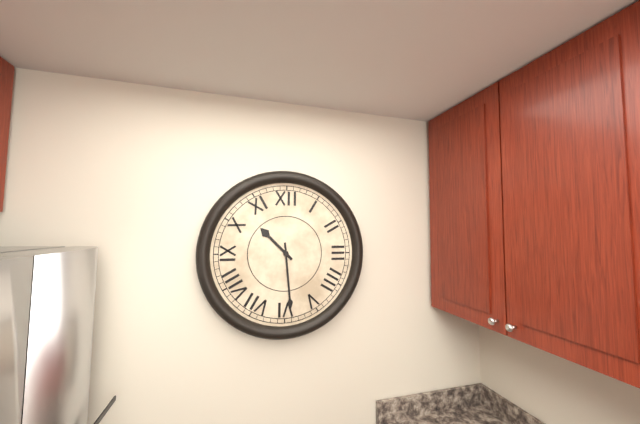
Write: 10:29
